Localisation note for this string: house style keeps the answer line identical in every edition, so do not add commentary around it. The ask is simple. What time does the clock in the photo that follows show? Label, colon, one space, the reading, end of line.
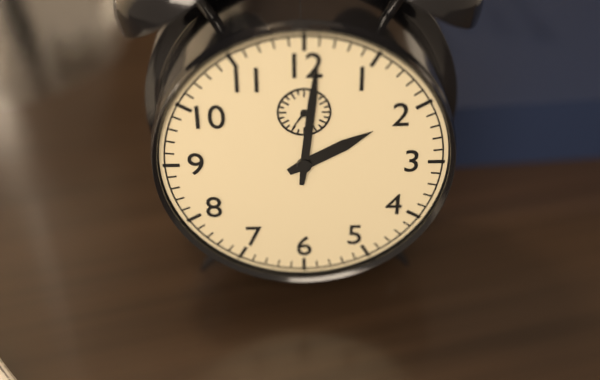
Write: 2:01
